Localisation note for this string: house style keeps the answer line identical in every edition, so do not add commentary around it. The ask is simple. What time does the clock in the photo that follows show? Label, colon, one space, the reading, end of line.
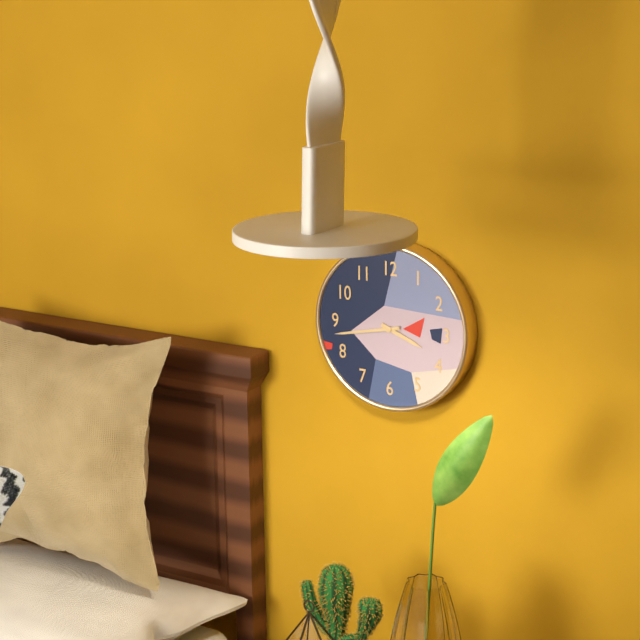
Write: 3:43
